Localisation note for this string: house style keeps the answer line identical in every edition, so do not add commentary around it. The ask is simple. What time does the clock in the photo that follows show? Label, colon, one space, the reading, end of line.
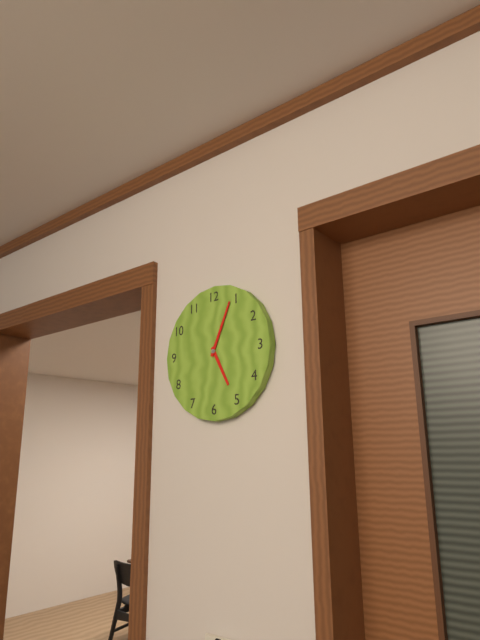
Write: 5:04
